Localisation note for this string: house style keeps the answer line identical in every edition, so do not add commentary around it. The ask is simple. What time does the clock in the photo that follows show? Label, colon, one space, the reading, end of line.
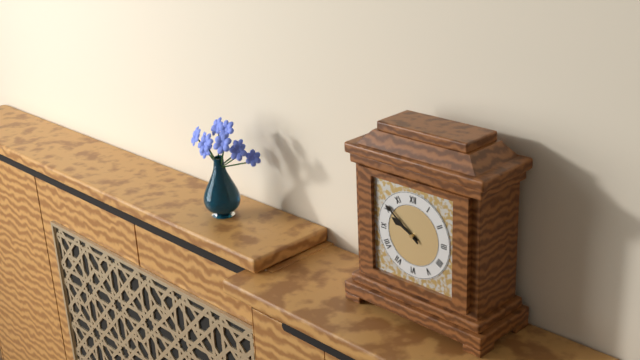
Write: 9:51
